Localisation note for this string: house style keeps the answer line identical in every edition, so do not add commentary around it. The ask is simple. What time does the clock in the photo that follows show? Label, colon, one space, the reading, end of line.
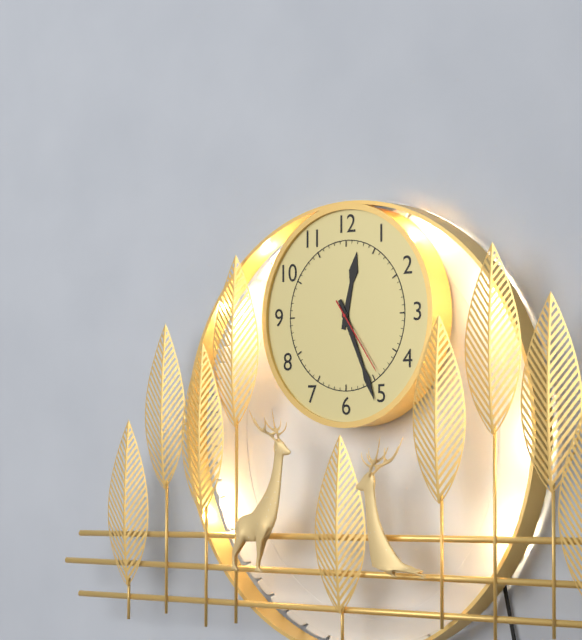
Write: 12:26:24
